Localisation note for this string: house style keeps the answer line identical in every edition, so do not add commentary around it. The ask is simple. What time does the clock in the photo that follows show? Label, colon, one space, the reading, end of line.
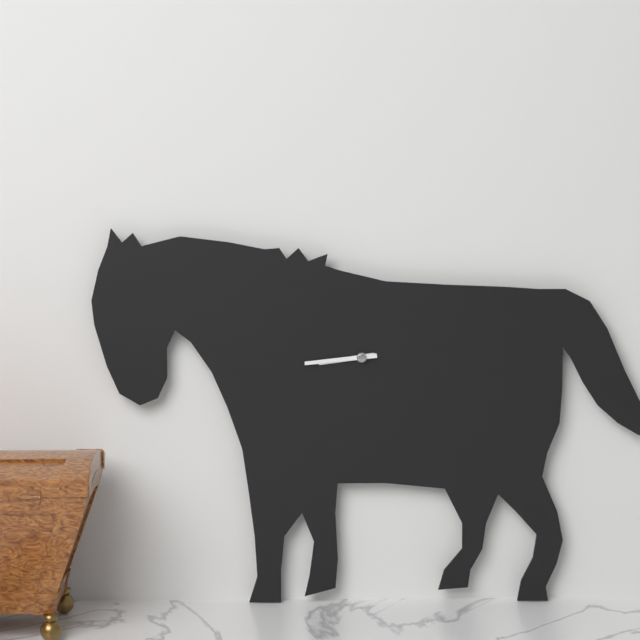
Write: 8:44
